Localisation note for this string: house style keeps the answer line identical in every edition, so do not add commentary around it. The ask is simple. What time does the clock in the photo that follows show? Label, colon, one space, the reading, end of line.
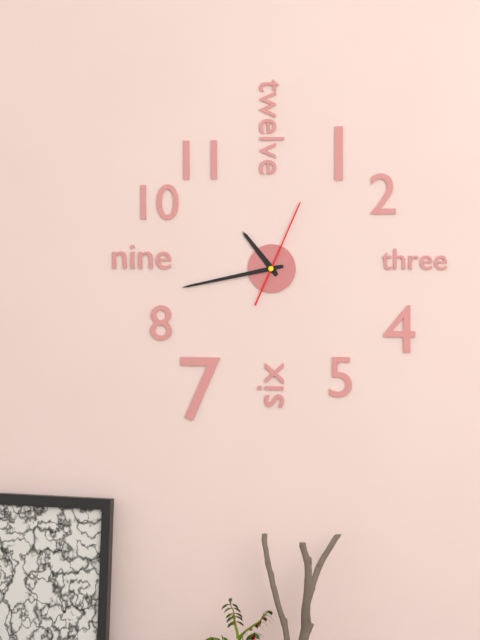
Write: 10:43:04
